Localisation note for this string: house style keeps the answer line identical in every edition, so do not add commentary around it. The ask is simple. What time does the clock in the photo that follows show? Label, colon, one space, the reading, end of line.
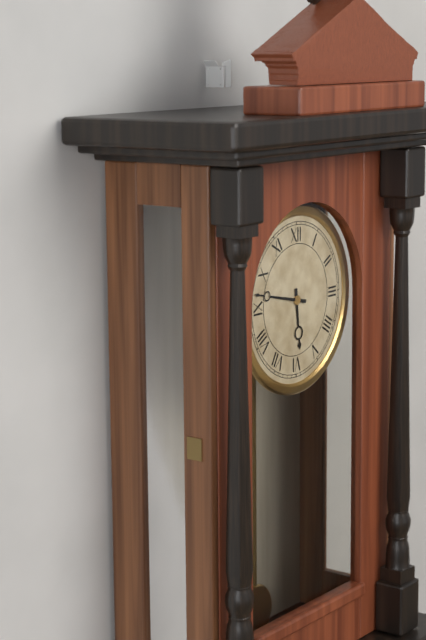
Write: 5:47
